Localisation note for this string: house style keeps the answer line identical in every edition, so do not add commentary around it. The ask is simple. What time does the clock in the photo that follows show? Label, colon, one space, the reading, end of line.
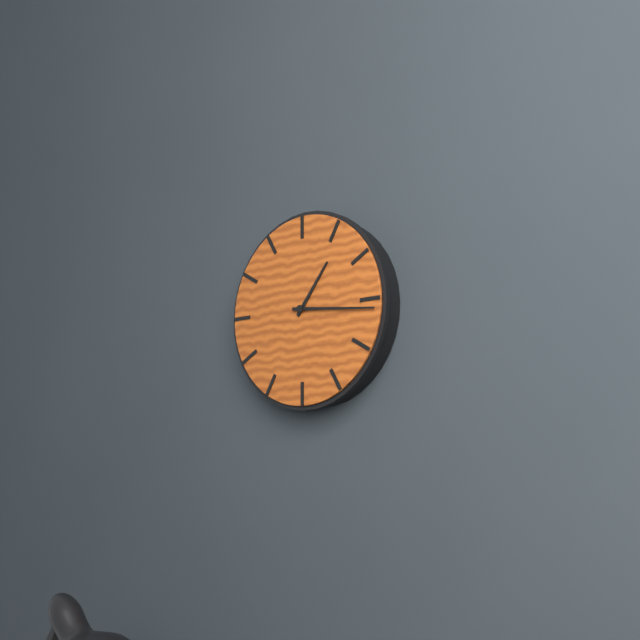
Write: 1:16
